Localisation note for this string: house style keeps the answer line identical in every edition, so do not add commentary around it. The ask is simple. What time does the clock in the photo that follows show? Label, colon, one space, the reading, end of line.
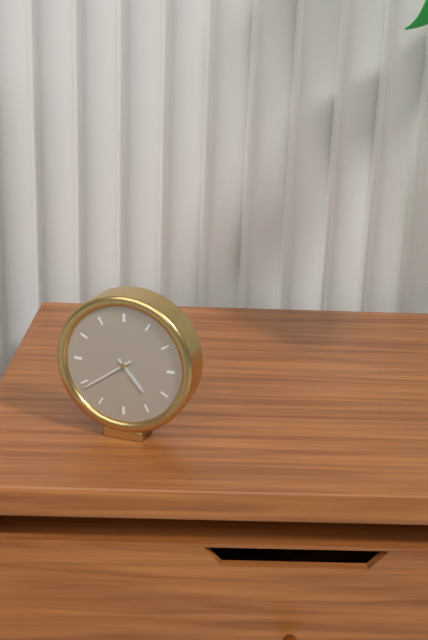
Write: 4:39
